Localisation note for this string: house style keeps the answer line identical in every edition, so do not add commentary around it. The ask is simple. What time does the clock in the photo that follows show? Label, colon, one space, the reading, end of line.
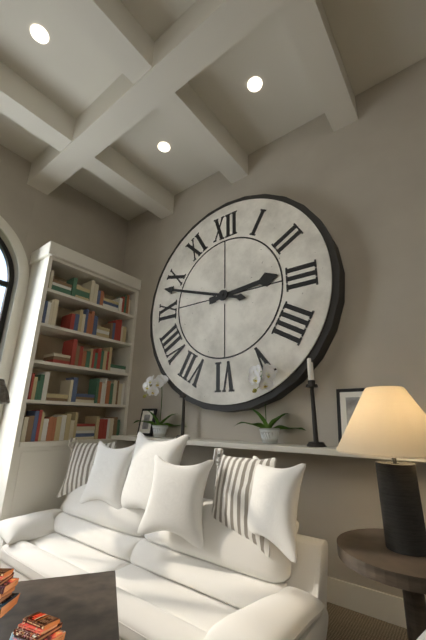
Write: 2:48
